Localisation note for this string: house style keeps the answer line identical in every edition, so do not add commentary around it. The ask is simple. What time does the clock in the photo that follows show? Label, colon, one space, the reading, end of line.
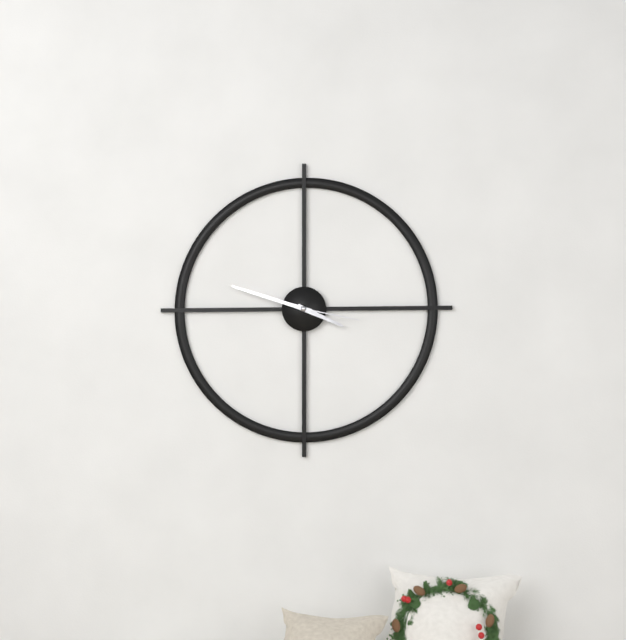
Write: 3:48:17
